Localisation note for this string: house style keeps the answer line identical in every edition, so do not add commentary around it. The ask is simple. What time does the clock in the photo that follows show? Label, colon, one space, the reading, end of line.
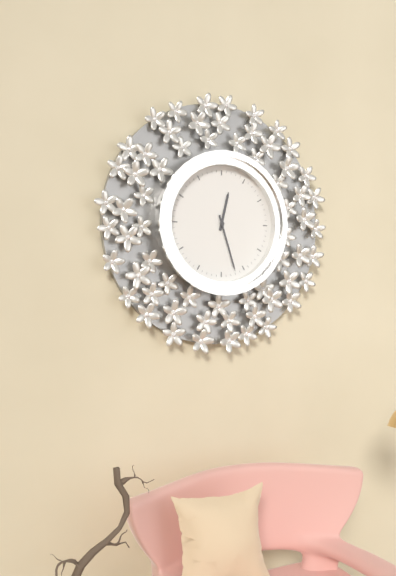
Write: 12:27
